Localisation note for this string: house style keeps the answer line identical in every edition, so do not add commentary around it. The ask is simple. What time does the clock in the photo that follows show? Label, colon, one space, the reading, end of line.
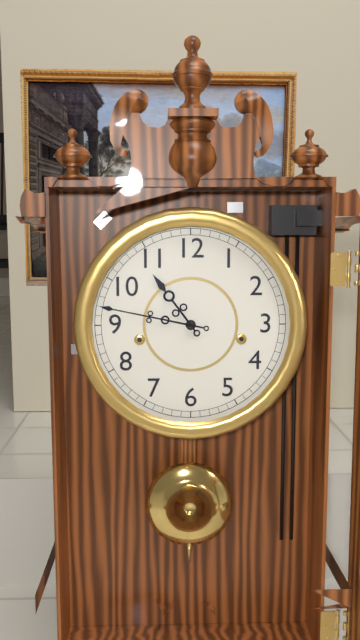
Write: 10:47
